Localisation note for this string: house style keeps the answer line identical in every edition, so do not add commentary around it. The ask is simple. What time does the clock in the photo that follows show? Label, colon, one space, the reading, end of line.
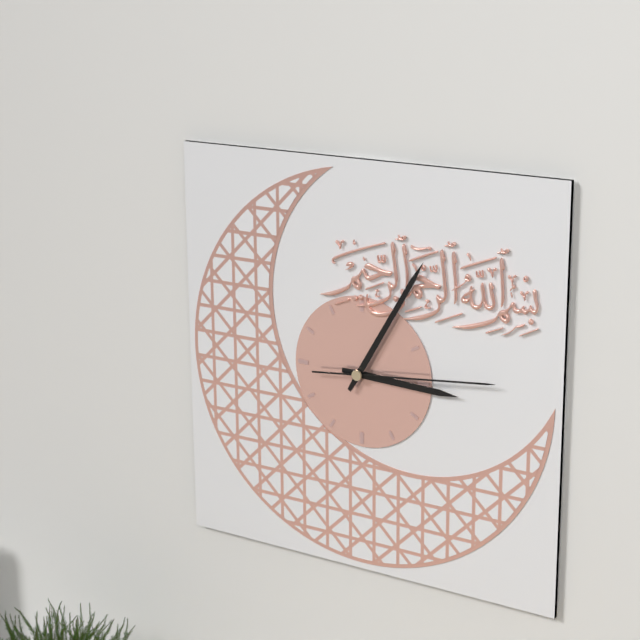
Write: 3:05:14
